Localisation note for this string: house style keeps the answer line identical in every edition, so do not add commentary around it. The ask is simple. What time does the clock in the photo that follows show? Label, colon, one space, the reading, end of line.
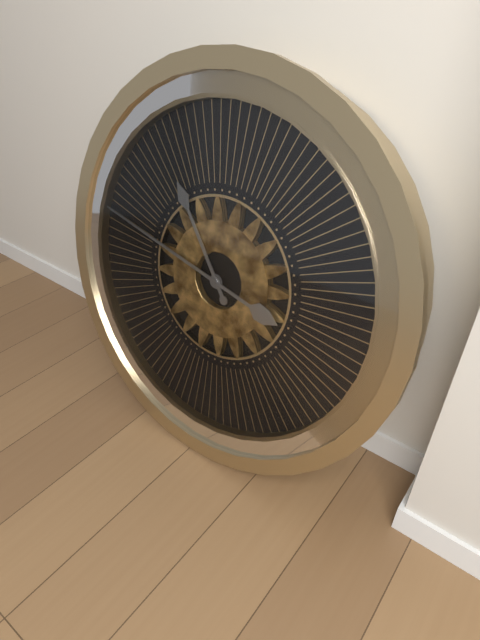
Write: 10:47
